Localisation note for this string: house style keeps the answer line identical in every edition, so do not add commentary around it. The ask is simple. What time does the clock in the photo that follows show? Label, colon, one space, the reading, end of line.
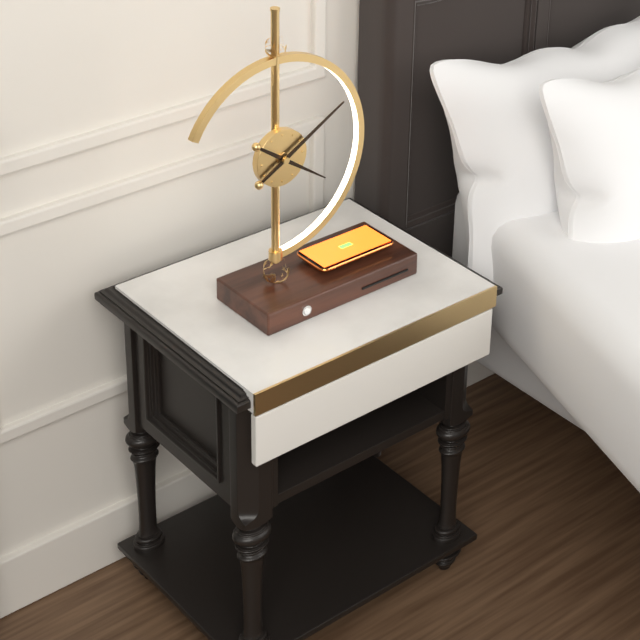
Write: 4:10
